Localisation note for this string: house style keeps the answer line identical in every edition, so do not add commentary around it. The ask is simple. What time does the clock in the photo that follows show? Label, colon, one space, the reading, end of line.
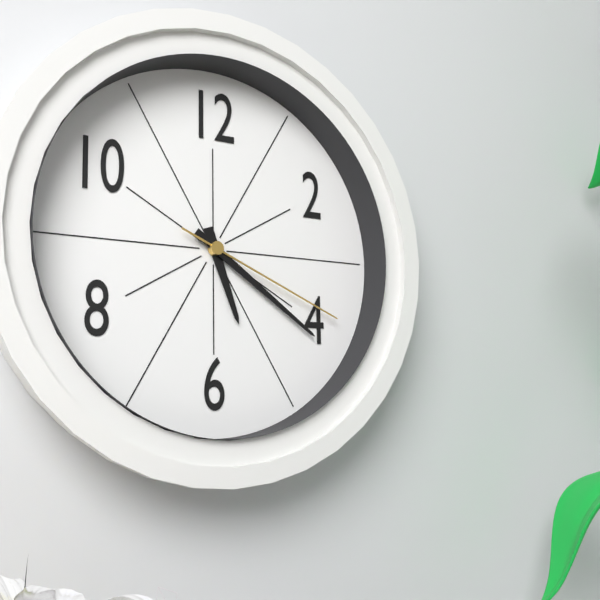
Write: 5:21:19
